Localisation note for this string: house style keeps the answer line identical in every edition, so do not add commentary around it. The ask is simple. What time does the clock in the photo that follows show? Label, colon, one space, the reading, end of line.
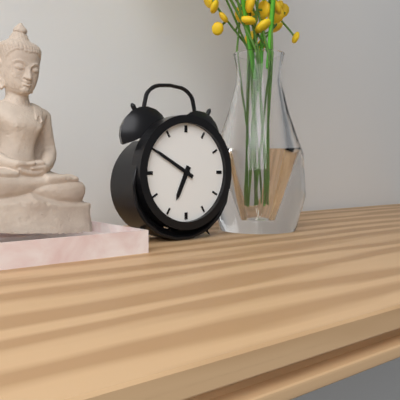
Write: 6:50
